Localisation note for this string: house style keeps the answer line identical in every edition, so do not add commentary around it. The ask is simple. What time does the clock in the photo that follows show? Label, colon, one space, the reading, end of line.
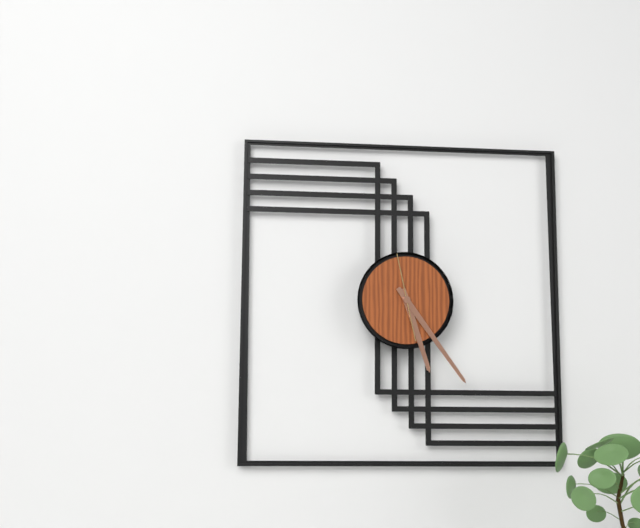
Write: 5:24:58
